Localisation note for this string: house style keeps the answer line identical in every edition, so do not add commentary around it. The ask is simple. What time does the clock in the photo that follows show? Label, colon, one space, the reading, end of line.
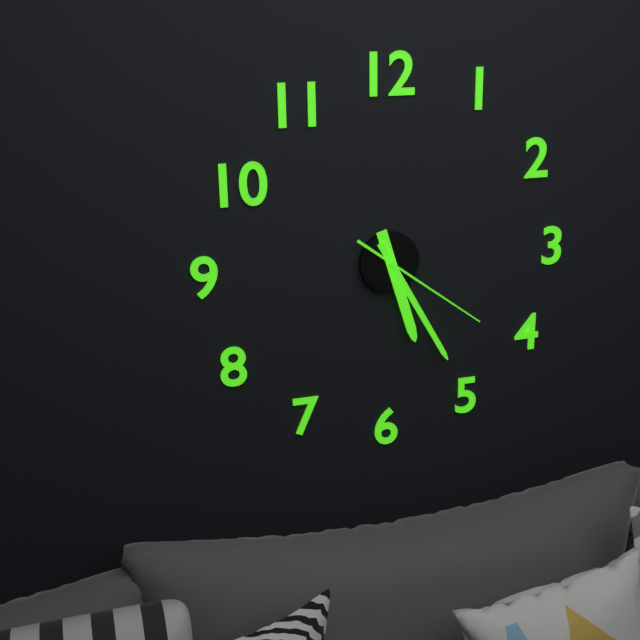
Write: 5:25:21
